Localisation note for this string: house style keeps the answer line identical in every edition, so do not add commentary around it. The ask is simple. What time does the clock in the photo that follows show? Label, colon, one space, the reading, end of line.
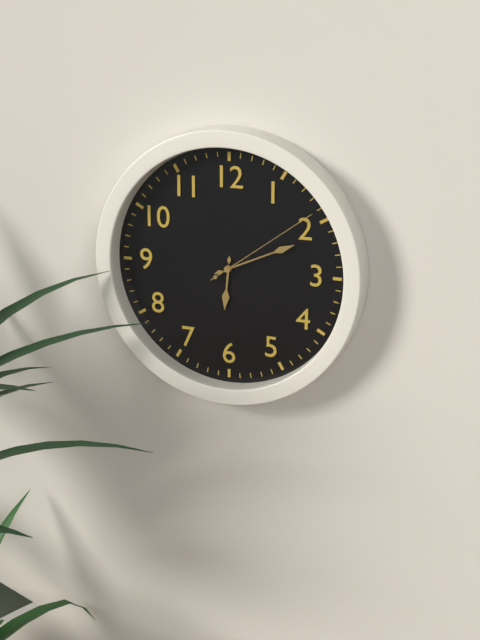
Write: 6:11:09
